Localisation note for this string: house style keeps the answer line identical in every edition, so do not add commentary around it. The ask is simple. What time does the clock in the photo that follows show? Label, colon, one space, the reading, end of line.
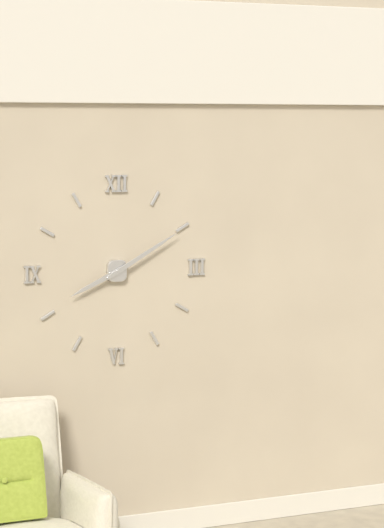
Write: 8:10
